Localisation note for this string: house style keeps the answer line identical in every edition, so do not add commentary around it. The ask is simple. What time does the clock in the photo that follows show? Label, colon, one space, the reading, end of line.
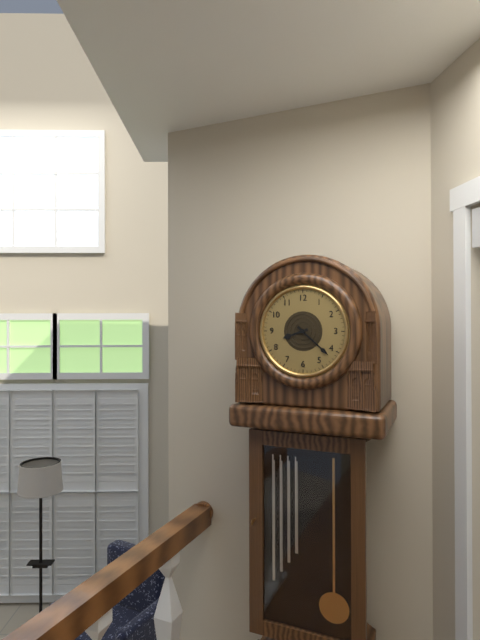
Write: 8:22
